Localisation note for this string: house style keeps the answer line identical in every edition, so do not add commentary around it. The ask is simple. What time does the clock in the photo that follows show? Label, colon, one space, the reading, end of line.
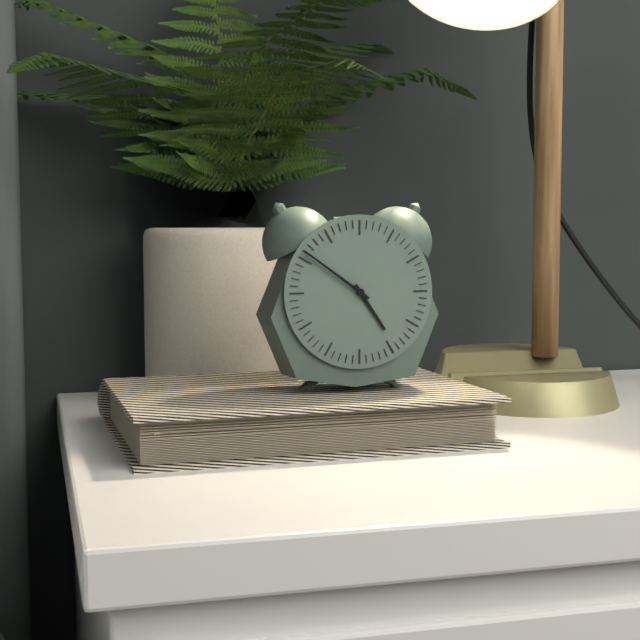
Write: 4:51
